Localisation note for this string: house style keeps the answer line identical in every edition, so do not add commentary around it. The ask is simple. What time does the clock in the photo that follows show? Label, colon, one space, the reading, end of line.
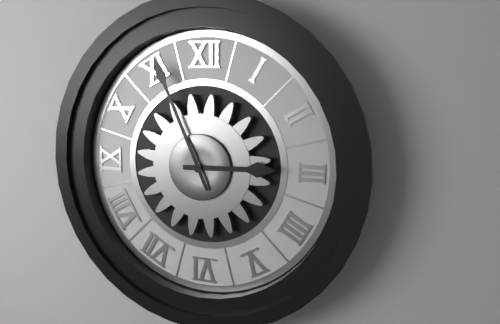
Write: 2:56
